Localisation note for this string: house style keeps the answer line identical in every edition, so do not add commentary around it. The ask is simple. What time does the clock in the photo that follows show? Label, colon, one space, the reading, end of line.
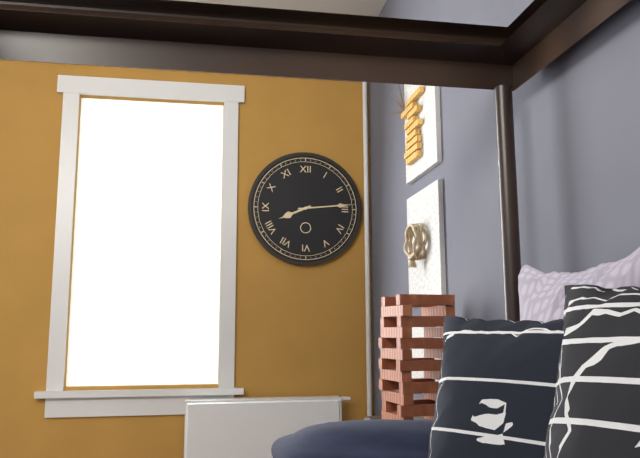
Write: 8:14
